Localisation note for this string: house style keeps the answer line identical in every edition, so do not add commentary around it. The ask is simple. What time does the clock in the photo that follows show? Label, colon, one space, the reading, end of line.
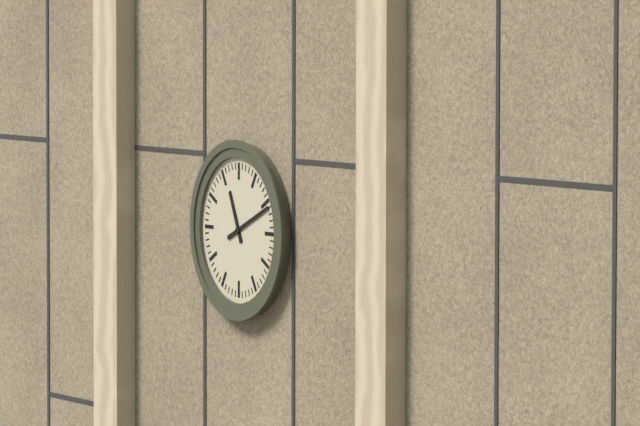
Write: 11:11
